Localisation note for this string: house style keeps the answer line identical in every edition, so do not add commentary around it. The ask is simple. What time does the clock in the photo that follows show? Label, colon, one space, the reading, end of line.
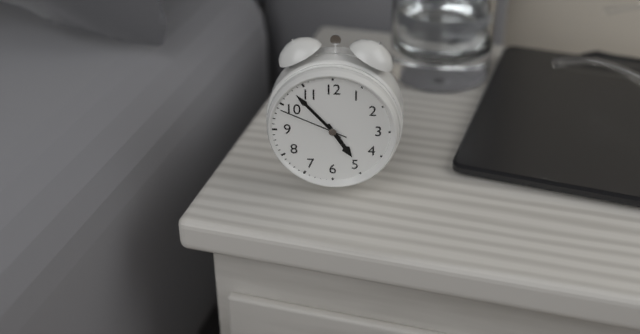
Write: 4:53:49
